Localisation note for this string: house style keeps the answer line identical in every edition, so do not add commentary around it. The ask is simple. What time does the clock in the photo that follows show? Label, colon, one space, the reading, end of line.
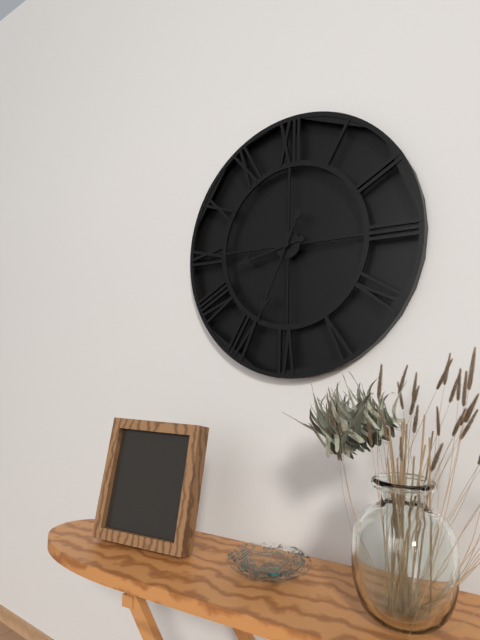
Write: 8:34
